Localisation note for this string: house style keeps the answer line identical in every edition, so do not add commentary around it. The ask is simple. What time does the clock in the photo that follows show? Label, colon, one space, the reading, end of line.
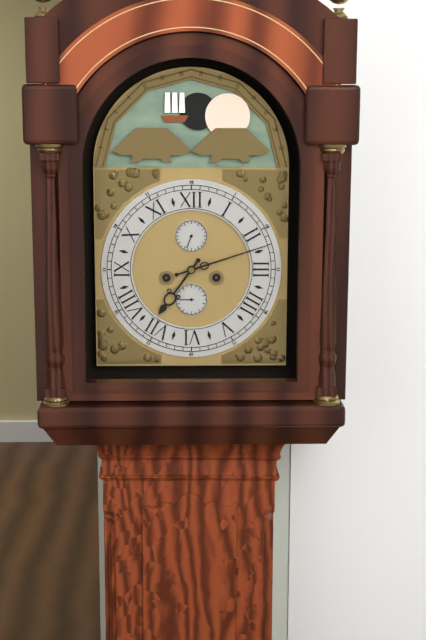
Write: 7:12
